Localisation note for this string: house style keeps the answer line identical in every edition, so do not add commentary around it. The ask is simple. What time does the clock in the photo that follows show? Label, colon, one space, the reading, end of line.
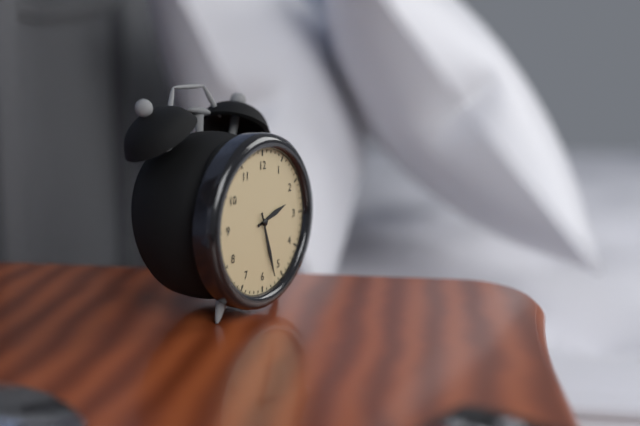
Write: 2:27
